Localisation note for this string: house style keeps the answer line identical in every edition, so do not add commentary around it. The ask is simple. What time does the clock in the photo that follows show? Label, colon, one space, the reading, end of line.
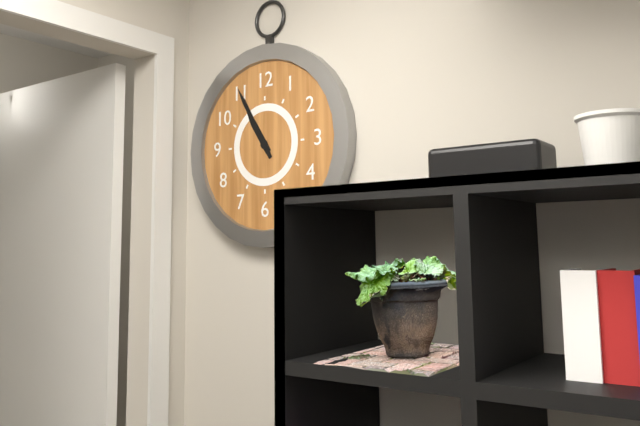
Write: 10:55
